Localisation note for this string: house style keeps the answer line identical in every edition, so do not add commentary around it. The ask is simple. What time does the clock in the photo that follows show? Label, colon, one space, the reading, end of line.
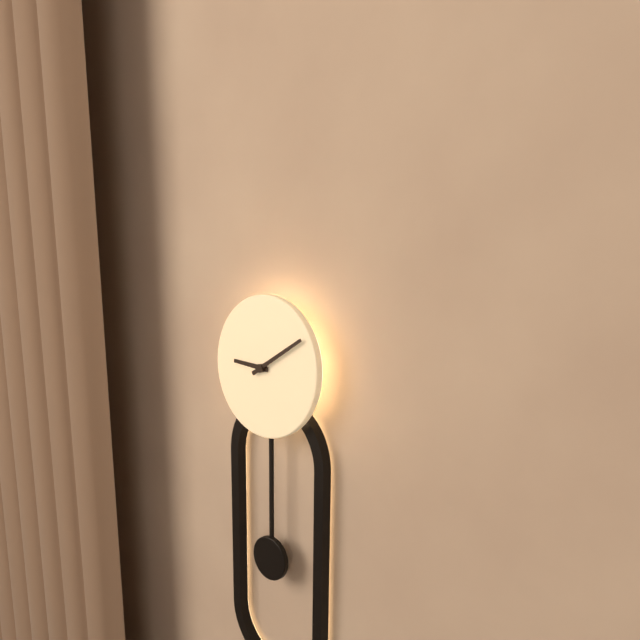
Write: 9:10
